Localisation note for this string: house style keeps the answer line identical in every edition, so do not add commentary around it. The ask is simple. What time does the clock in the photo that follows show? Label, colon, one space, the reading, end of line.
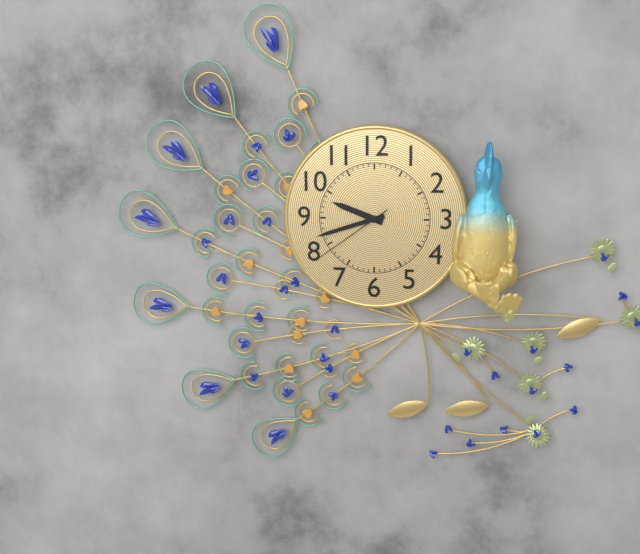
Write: 9:42:39
